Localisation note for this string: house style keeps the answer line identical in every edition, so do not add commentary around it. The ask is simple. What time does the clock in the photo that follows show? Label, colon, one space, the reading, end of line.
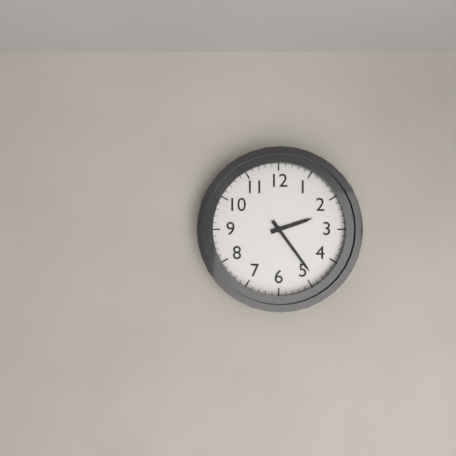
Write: 2:24
